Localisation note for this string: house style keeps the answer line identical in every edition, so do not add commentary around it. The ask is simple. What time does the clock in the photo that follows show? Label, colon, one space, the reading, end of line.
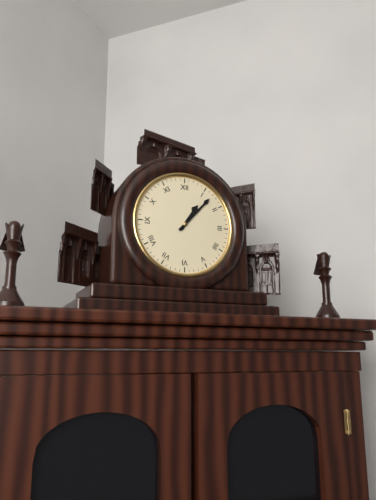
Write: 1:07
